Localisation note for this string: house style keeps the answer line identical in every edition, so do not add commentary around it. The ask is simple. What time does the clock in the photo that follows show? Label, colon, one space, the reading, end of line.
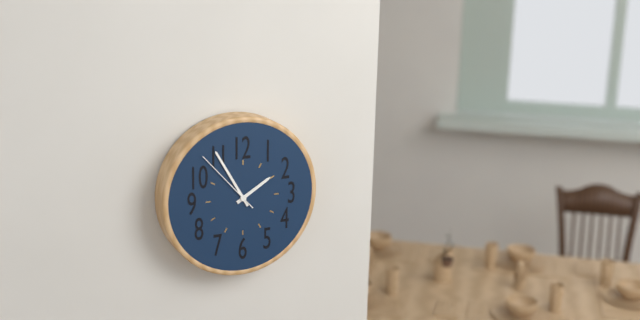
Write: 1:55:53
